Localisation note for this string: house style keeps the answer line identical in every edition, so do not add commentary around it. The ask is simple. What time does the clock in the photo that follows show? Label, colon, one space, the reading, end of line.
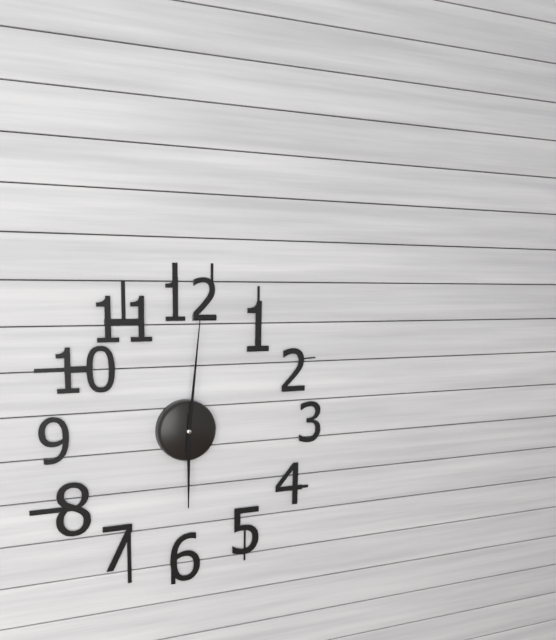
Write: 6:01
